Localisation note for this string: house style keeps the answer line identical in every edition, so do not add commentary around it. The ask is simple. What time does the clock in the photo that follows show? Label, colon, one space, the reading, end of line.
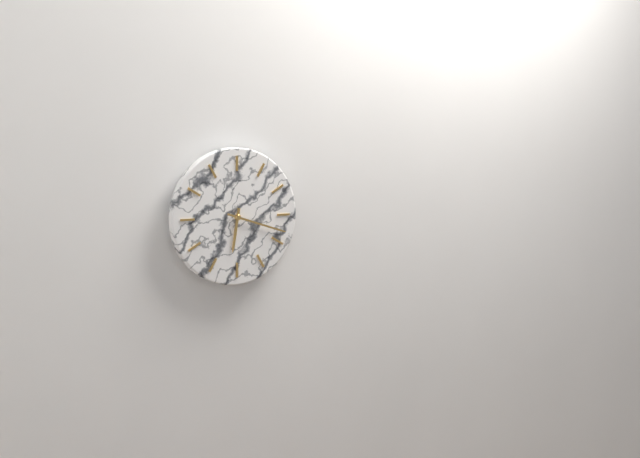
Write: 6:18
